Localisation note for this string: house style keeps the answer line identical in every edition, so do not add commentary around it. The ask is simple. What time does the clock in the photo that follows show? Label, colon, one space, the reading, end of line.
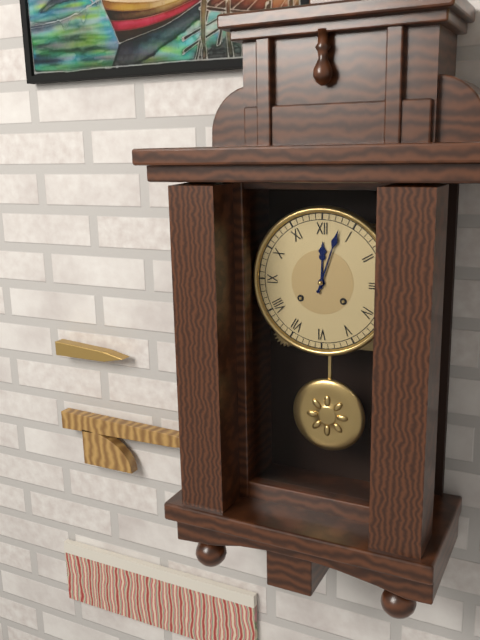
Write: 12:03
